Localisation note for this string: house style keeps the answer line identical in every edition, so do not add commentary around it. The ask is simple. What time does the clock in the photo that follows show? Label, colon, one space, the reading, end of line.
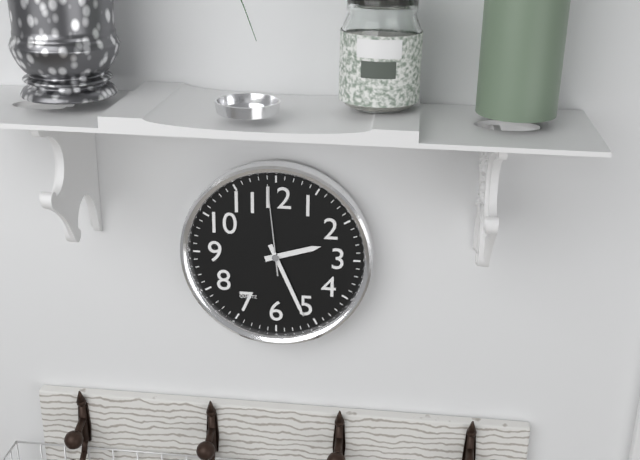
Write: 2:26:59
